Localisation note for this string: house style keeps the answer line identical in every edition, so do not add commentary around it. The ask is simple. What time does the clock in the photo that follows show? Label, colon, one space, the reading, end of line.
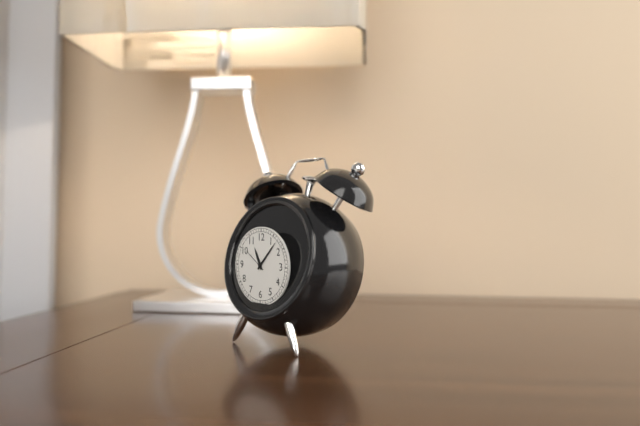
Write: 11:07
